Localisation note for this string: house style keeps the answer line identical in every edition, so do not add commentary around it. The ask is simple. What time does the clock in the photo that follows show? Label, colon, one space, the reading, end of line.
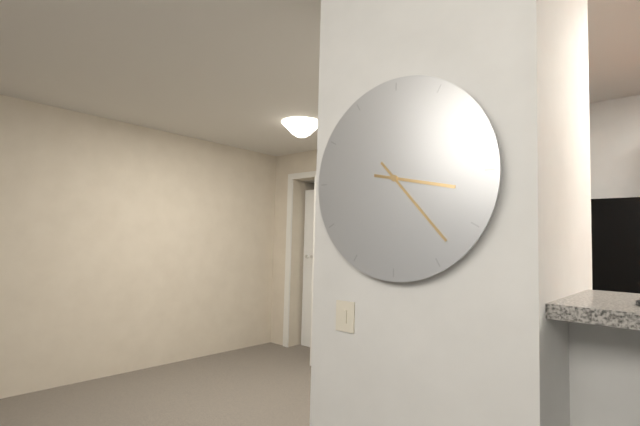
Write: 3:23
